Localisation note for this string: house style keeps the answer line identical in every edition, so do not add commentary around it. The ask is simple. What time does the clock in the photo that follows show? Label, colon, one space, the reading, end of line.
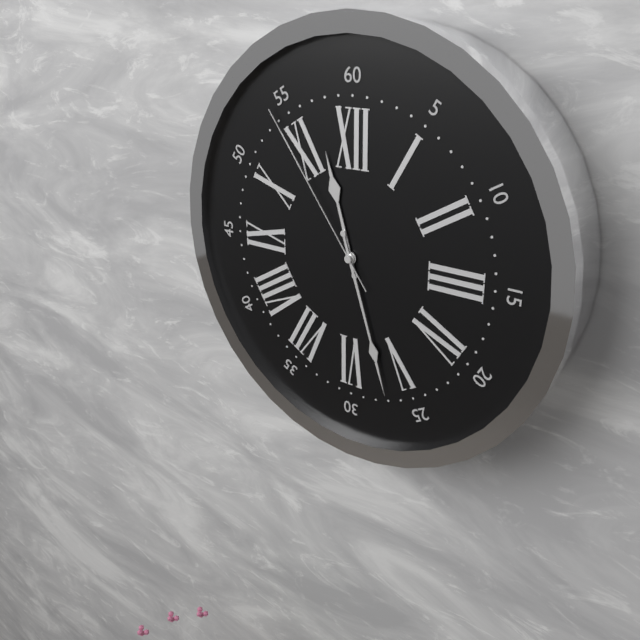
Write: 11:27:54
